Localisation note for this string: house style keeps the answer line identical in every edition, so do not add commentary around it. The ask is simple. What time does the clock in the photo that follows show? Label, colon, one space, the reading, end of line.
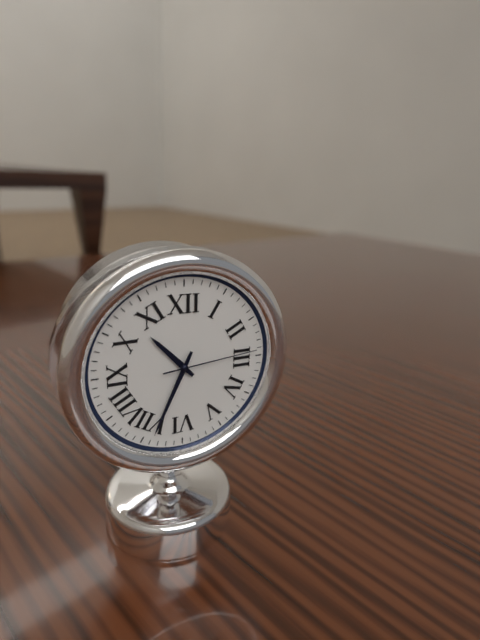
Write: 10:34:14
